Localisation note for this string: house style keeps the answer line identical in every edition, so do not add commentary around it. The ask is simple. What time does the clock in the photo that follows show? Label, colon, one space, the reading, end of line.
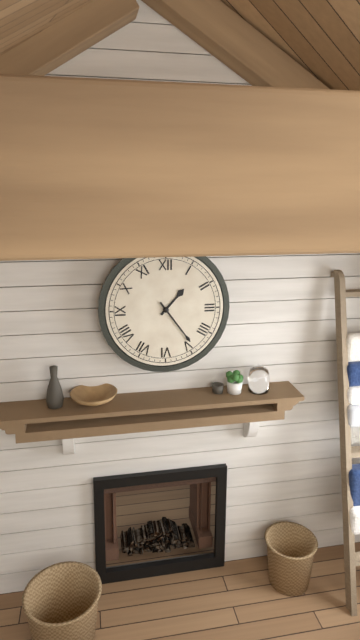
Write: 1:24
